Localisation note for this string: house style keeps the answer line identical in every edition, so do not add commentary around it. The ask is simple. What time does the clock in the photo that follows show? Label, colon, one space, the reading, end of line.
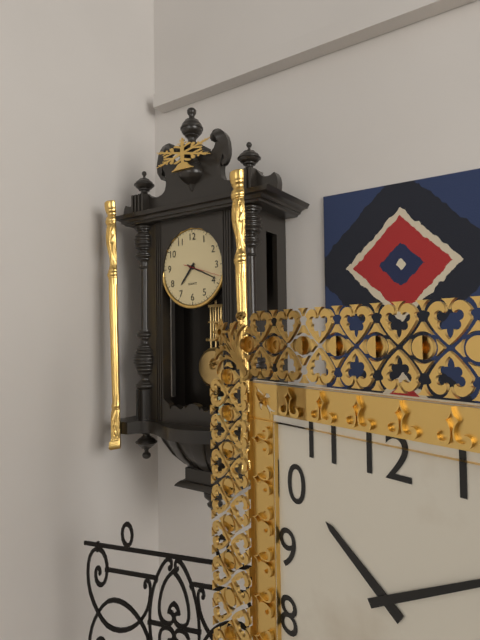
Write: 7:19
